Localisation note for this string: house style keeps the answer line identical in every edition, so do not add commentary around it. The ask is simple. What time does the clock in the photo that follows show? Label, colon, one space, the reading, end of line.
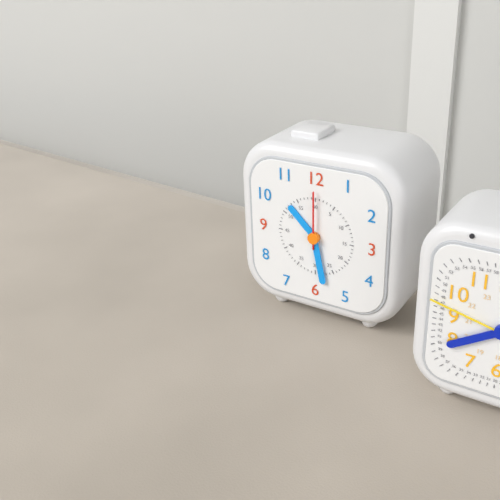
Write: 10:28:00
